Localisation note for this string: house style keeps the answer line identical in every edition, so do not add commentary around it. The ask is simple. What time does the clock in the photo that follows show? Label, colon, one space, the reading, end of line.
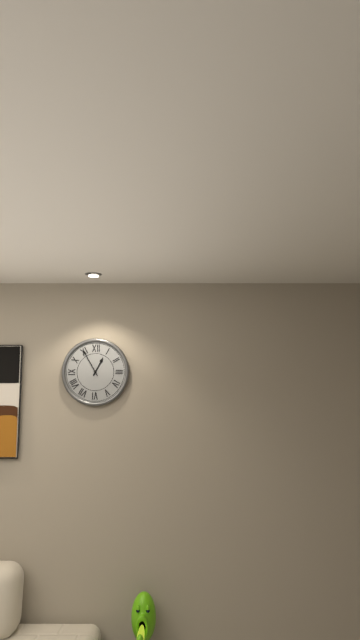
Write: 12:55
